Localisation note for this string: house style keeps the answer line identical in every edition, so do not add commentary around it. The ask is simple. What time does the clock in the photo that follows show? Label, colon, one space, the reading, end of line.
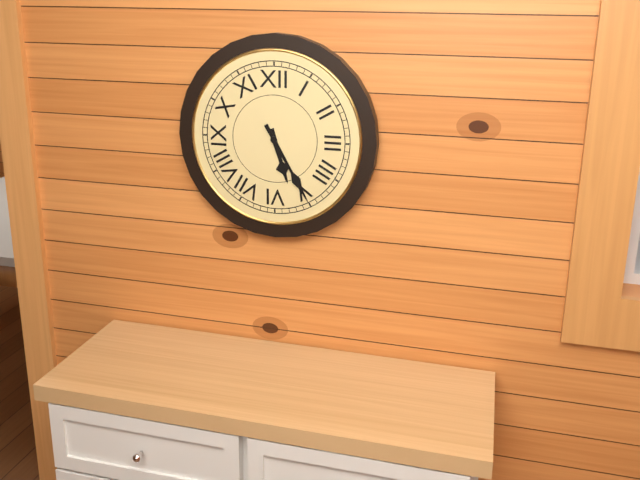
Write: 5:25
